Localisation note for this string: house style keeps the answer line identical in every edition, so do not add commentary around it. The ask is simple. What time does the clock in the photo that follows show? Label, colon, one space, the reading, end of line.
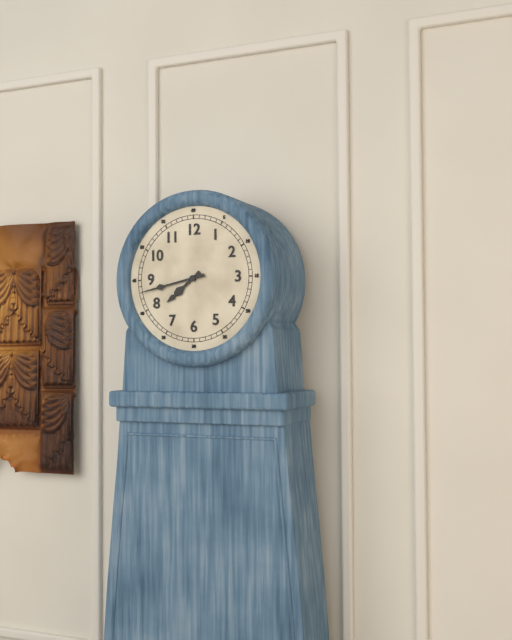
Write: 7:43
